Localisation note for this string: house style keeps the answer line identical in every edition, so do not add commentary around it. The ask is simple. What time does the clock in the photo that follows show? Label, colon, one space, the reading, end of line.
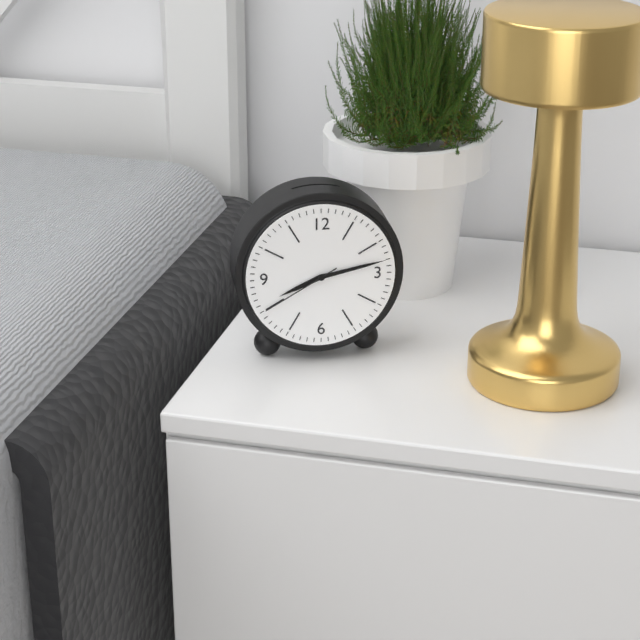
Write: 8:13:40
